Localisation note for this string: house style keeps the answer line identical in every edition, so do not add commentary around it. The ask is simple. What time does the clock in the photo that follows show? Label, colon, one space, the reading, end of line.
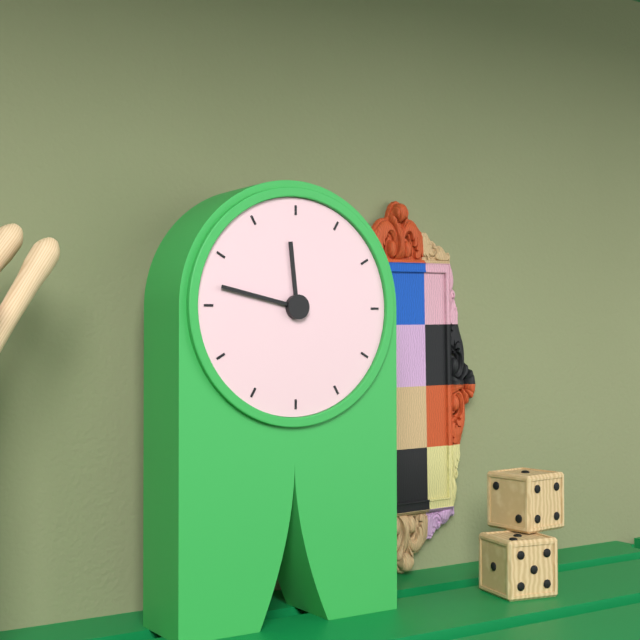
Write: 11:47
